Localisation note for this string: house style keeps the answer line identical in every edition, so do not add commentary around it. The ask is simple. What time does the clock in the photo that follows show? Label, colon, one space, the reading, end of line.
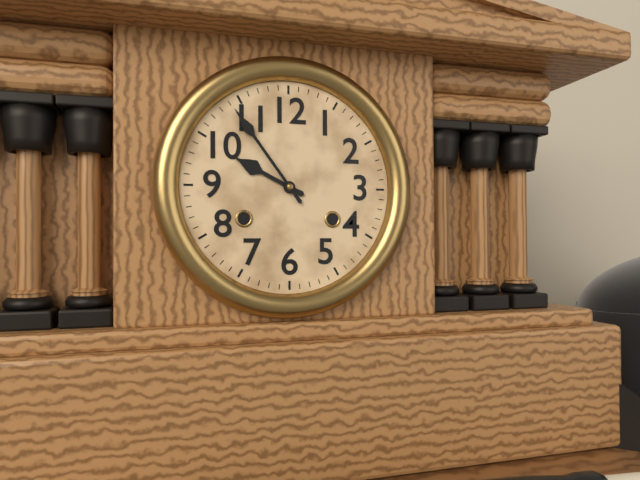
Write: 9:54
